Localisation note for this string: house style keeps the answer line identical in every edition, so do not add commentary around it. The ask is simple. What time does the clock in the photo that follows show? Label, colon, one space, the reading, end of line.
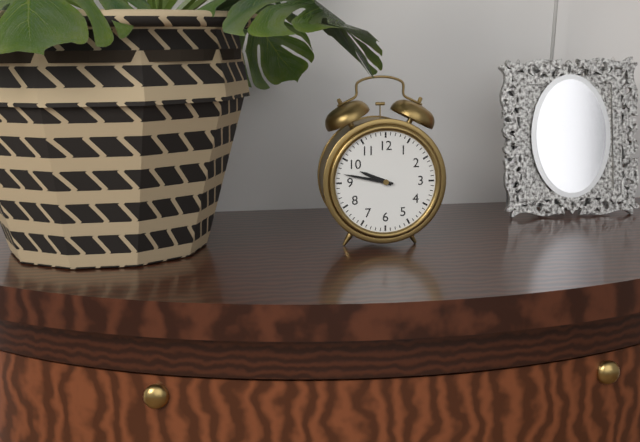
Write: 9:47
